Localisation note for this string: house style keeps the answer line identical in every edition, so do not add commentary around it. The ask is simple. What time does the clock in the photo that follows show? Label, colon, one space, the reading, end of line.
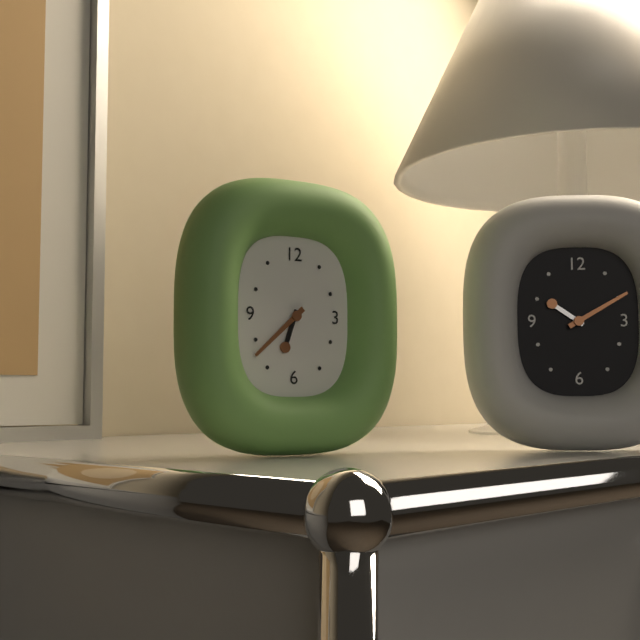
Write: 6:38
